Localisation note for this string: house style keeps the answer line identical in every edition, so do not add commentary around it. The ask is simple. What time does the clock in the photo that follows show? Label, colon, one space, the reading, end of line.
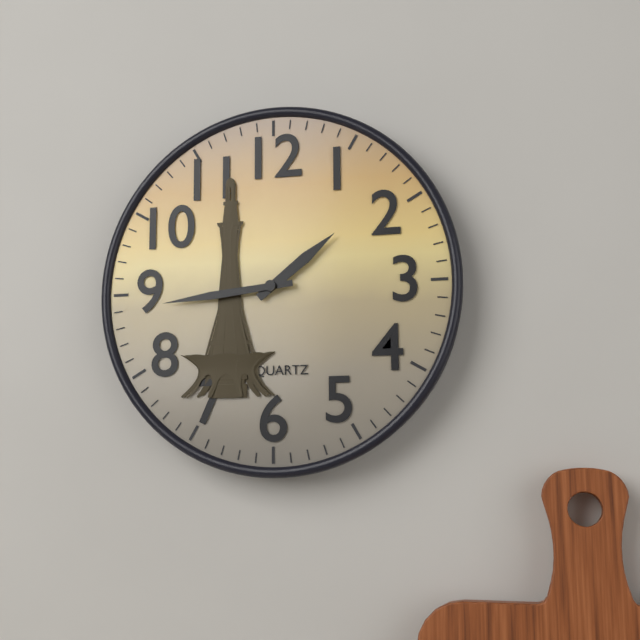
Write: 1:44
